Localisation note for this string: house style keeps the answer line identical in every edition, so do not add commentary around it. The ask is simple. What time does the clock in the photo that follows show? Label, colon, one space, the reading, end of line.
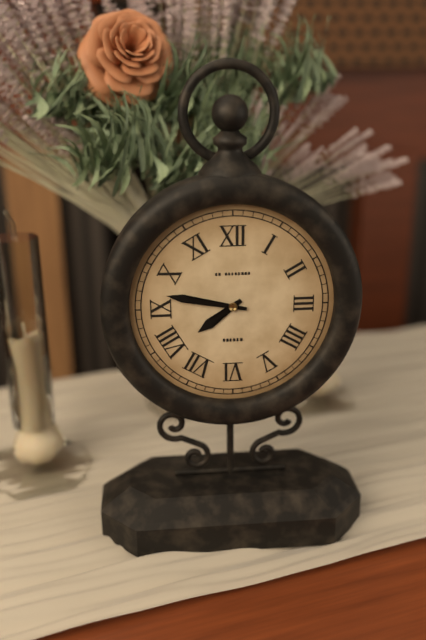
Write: 7:47
